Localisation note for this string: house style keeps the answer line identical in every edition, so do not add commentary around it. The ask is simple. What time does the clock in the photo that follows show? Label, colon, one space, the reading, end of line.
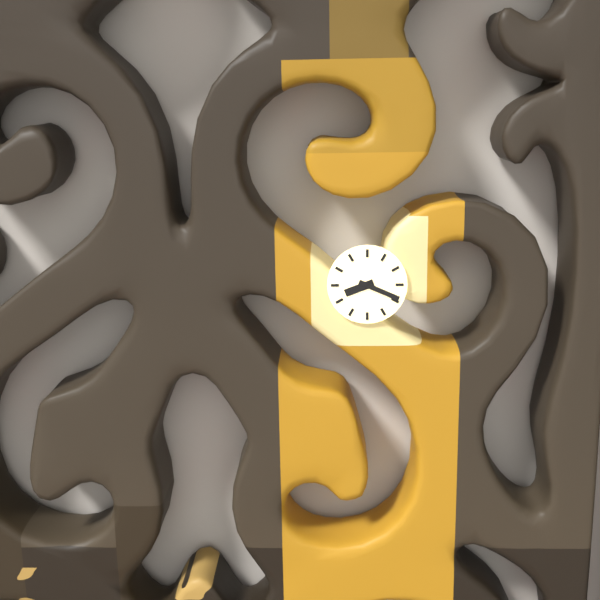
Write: 8:19
